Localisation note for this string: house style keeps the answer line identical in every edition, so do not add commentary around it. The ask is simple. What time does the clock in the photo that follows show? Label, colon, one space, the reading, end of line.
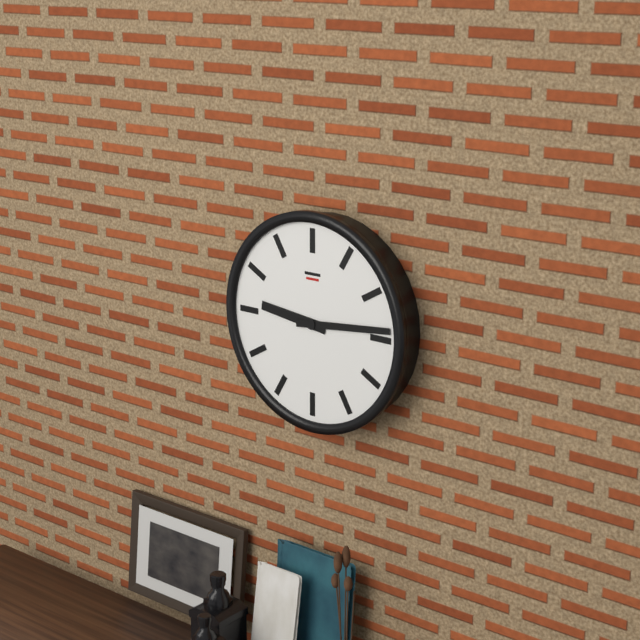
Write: 9:14
